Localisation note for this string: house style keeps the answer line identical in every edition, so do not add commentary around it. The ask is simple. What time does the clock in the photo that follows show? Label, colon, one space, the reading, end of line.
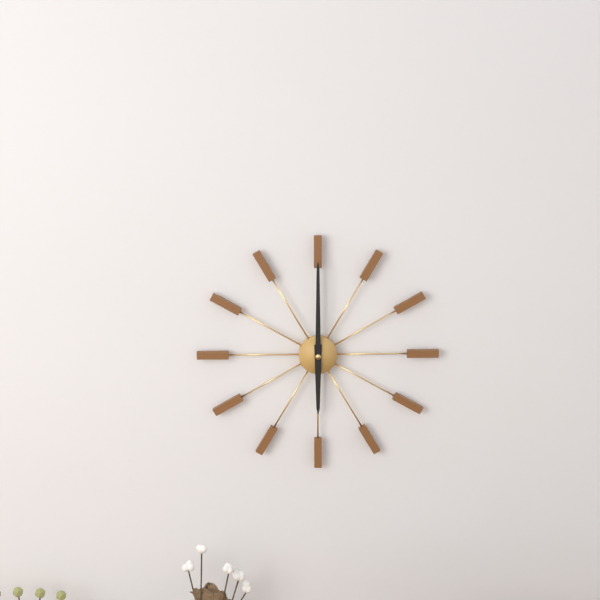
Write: 6:00
